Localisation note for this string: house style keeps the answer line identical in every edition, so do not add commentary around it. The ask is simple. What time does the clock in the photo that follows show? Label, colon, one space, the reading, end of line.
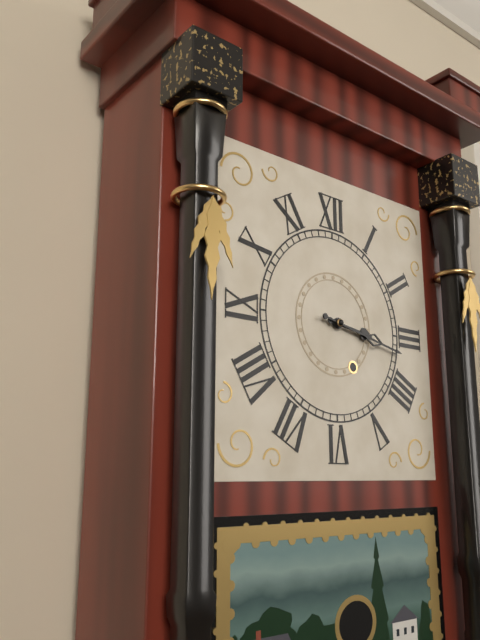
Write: 3:17
